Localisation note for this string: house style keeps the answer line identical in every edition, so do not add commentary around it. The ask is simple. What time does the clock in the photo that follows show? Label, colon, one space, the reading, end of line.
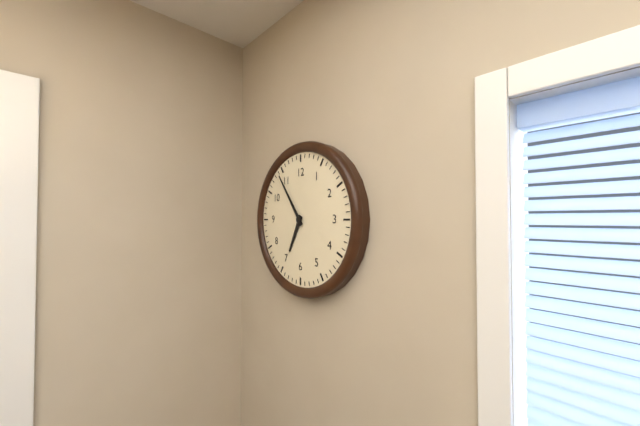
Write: 6:54
